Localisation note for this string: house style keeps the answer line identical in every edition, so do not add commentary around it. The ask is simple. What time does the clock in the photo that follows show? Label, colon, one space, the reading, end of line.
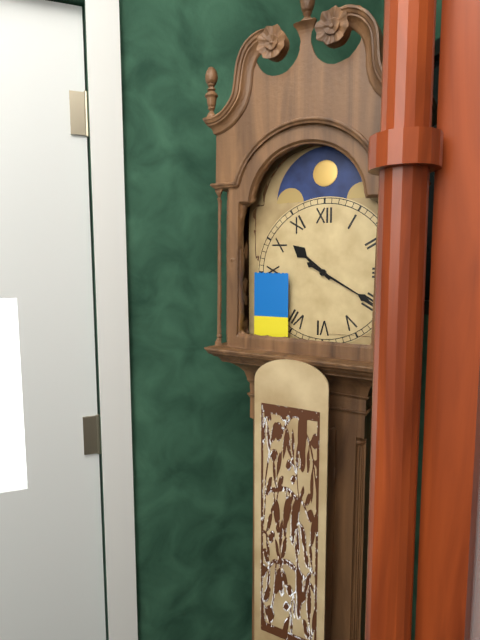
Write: 10:20
